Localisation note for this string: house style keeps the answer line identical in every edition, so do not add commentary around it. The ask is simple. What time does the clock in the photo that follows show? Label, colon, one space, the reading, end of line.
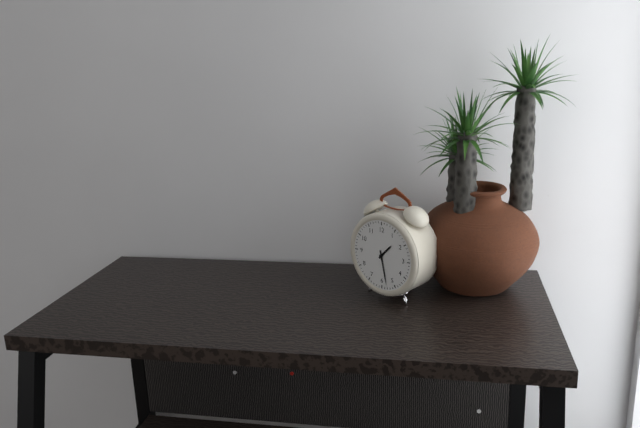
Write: 1:28
